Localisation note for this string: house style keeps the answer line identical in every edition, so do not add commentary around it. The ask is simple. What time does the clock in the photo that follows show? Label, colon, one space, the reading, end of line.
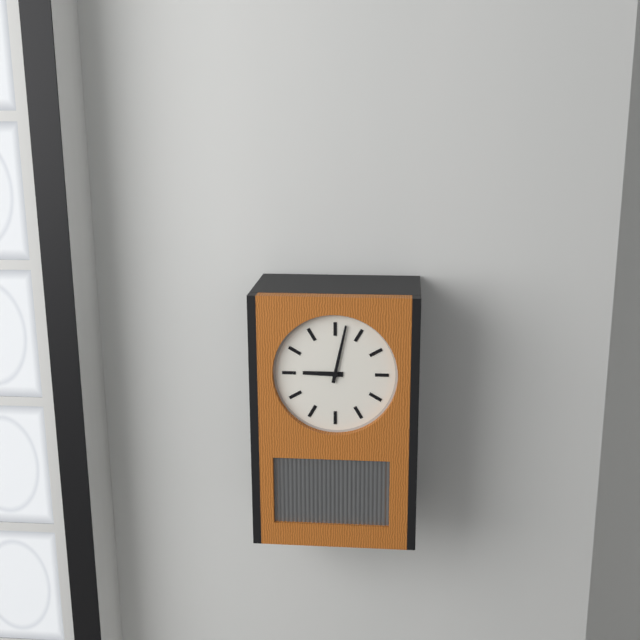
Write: 9:02
